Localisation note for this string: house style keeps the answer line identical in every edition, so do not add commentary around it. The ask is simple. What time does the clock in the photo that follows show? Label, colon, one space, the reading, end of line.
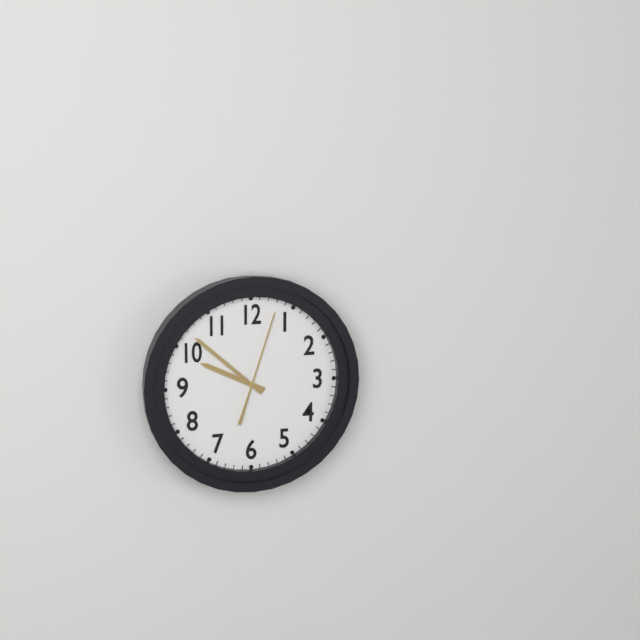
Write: 9:52:03
